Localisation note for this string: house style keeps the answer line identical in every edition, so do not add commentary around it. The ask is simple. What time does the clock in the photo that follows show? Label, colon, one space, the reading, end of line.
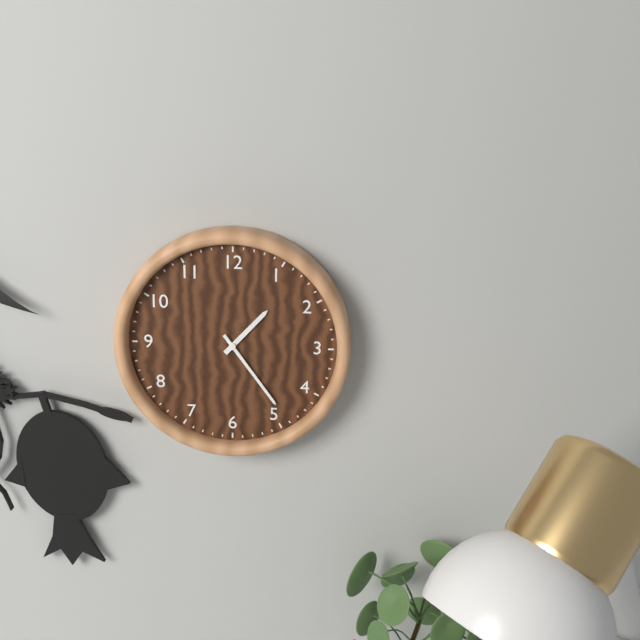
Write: 1:24
